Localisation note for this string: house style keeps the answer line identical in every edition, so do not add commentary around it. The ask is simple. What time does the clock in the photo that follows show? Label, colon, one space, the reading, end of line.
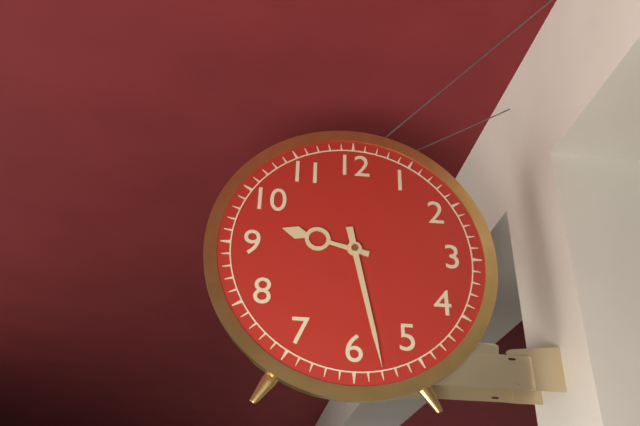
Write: 9:28
